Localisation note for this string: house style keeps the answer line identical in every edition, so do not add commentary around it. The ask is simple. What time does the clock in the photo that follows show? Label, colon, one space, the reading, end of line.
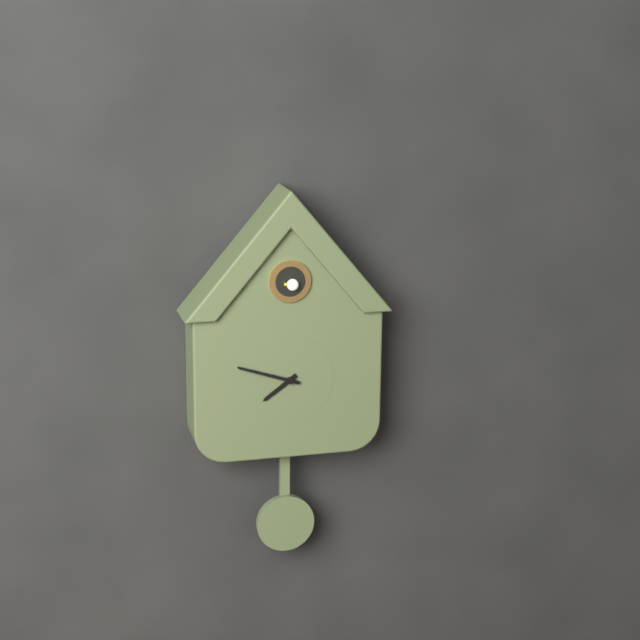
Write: 7:48
